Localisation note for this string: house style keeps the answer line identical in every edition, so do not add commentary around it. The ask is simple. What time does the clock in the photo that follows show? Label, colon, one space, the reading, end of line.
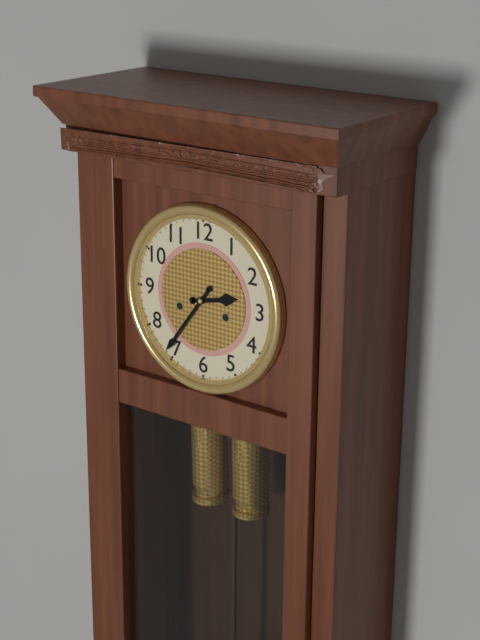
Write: 2:36
